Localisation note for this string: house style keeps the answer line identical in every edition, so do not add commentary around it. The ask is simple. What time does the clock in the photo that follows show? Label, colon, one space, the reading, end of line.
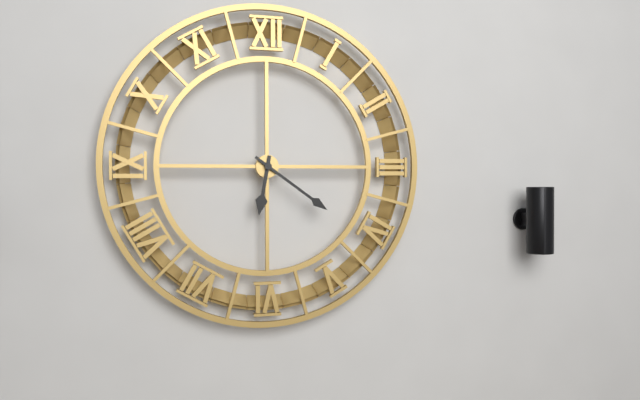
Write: 6:21
